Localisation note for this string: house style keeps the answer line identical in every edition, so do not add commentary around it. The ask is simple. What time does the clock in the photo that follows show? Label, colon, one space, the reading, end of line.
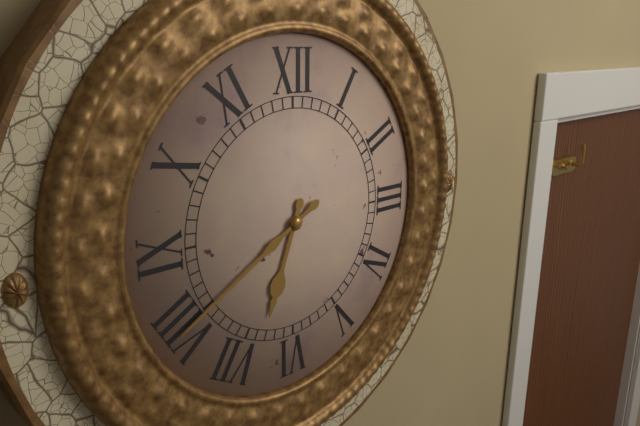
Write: 6:40
